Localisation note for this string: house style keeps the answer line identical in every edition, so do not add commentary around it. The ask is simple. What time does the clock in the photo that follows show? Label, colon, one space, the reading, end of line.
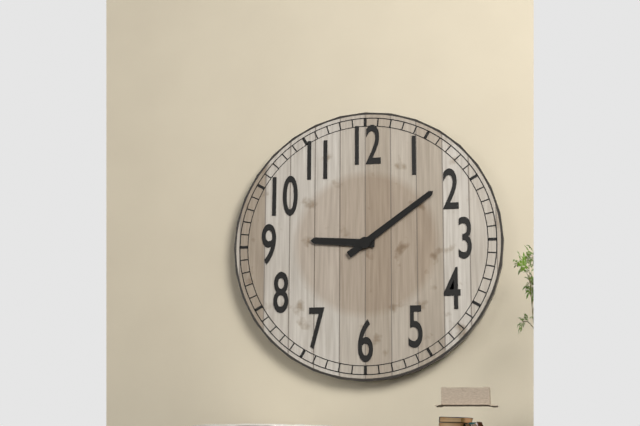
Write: 9:09
